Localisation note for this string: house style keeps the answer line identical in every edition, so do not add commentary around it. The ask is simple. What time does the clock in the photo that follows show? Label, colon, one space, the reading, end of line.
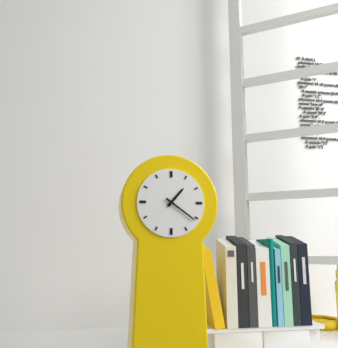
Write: 1:21
